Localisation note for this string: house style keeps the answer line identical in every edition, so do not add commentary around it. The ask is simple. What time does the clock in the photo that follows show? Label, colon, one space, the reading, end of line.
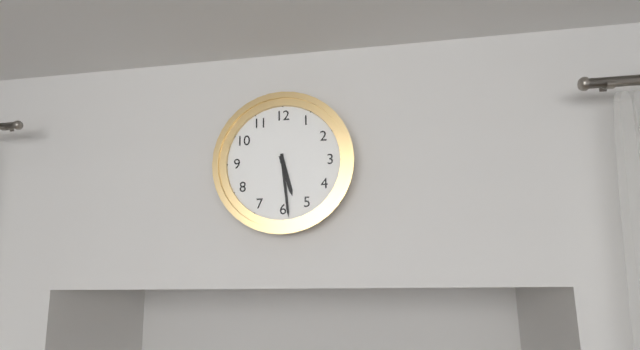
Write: 5:29
